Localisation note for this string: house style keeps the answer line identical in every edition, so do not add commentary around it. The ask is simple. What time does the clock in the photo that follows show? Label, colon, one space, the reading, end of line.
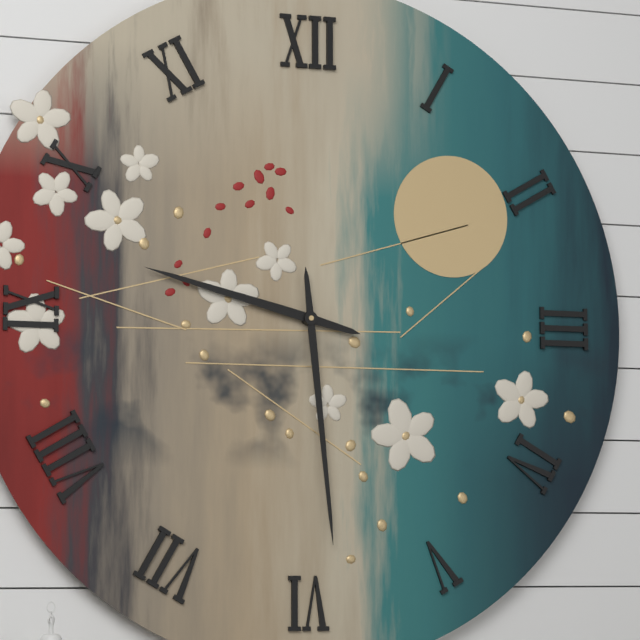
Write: 9:29
